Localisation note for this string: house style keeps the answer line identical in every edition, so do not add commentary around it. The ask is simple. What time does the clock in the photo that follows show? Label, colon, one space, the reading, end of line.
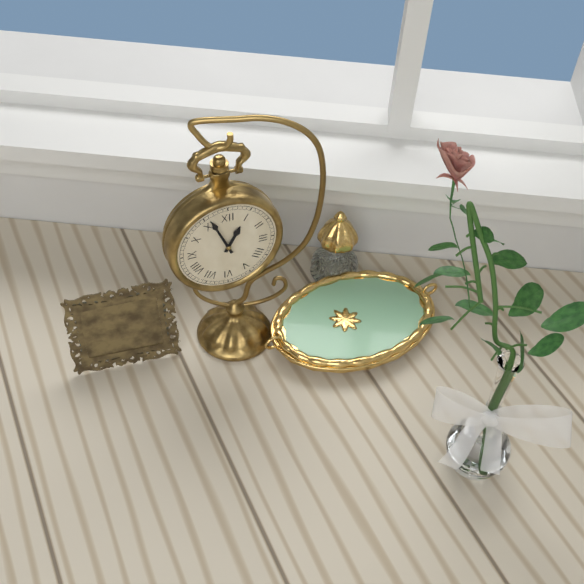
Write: 12:56
